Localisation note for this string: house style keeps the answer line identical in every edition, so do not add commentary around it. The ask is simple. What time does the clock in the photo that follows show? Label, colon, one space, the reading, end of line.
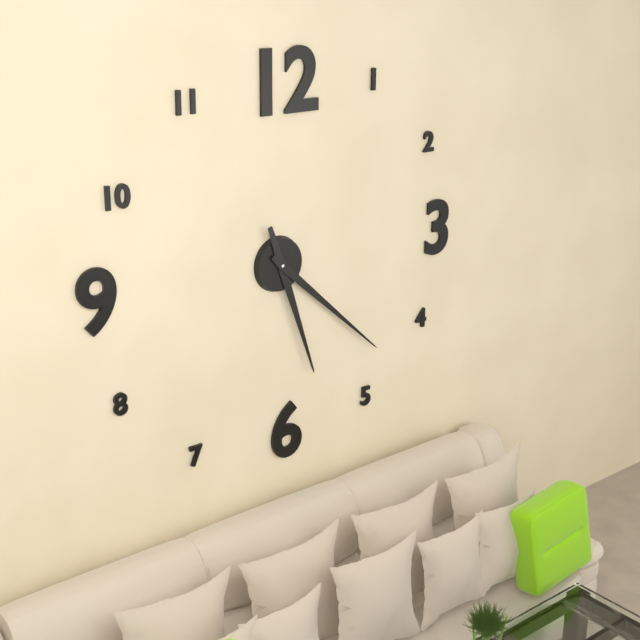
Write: 5:22
